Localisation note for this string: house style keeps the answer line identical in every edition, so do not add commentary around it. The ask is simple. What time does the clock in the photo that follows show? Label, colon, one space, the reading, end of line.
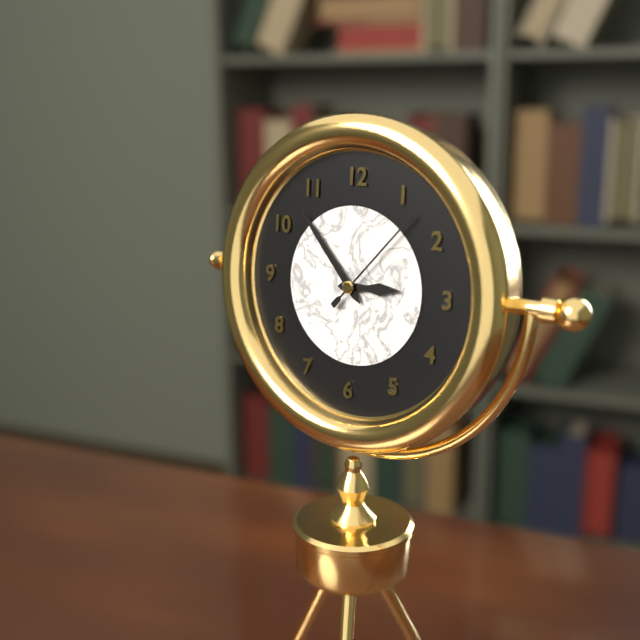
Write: 2:53:07
